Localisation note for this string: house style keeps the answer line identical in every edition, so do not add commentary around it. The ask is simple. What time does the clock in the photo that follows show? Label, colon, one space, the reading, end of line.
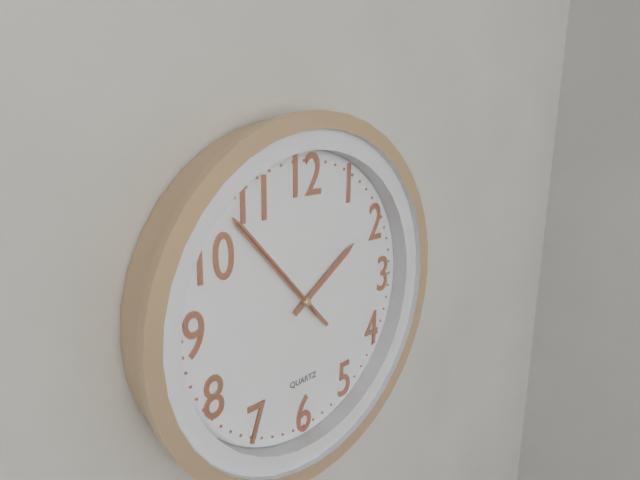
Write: 1:53:53
